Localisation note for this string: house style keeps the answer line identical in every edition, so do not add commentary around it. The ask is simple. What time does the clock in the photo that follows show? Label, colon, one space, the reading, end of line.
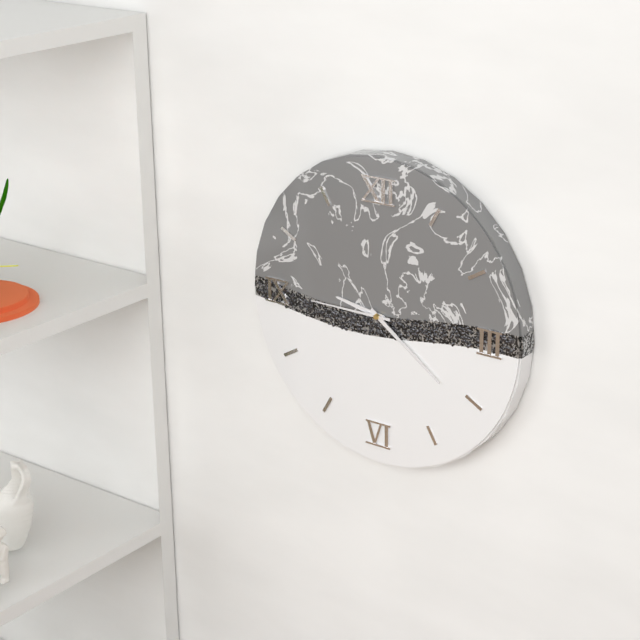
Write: 9:21:45
